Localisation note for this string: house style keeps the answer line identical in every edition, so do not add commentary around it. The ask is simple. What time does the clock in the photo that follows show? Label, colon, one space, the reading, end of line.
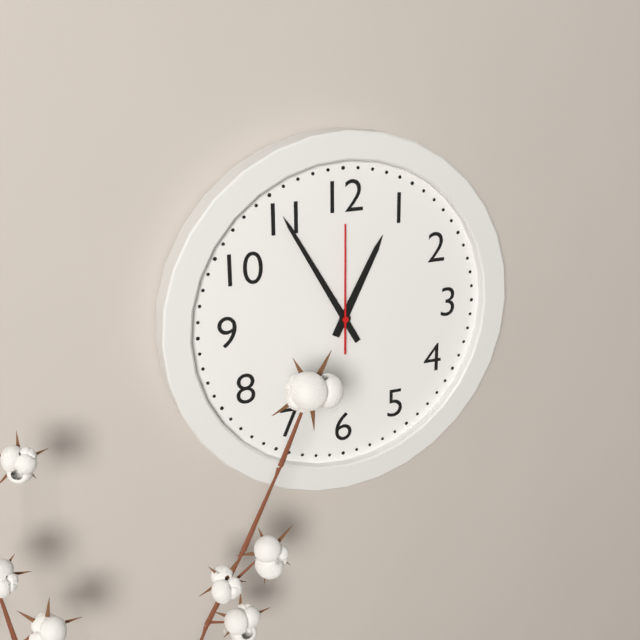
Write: 12:55:00
